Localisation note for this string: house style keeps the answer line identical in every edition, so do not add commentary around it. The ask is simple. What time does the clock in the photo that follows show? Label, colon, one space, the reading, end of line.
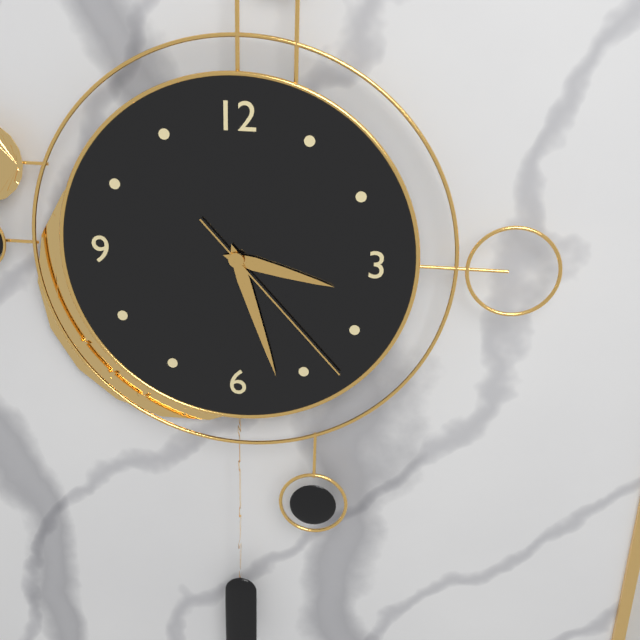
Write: 3:27:23
